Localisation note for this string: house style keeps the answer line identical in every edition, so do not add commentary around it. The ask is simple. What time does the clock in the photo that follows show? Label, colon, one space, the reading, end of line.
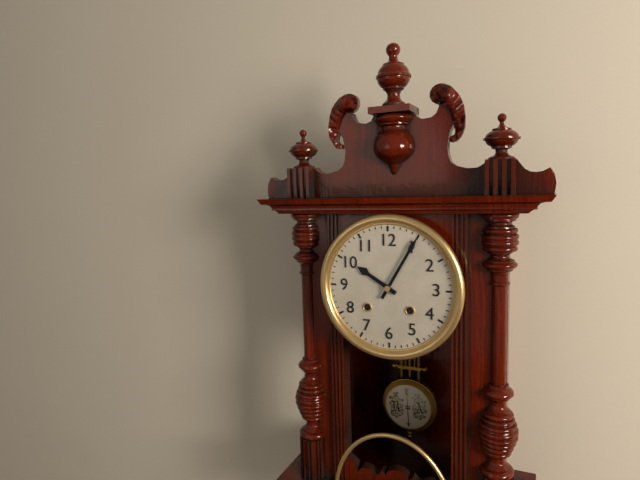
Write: 10:05
